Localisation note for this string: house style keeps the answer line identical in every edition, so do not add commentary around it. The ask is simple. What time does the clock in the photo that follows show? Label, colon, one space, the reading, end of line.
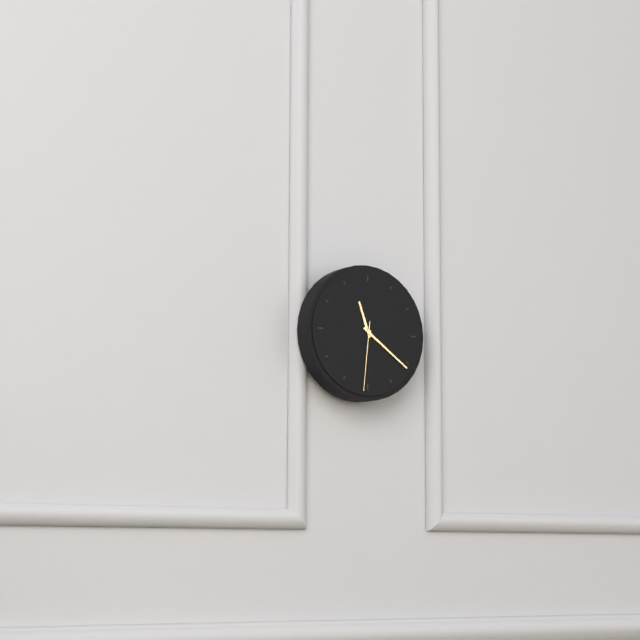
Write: 11:21:31
